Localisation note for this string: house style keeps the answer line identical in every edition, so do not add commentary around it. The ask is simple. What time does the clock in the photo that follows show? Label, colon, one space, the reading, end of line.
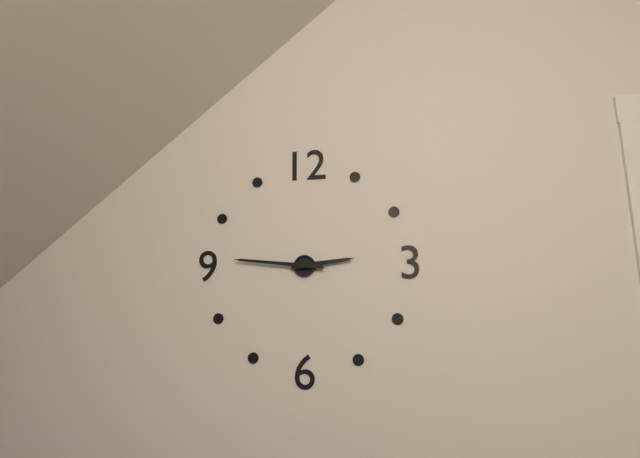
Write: 2:46
